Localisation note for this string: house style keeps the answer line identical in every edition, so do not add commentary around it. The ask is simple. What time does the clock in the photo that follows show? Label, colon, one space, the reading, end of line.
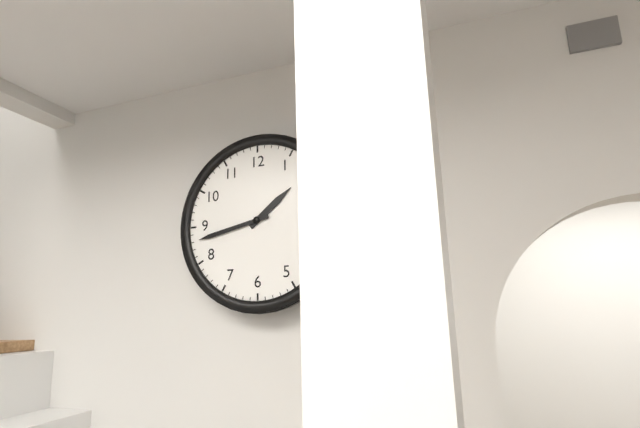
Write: 1:43
